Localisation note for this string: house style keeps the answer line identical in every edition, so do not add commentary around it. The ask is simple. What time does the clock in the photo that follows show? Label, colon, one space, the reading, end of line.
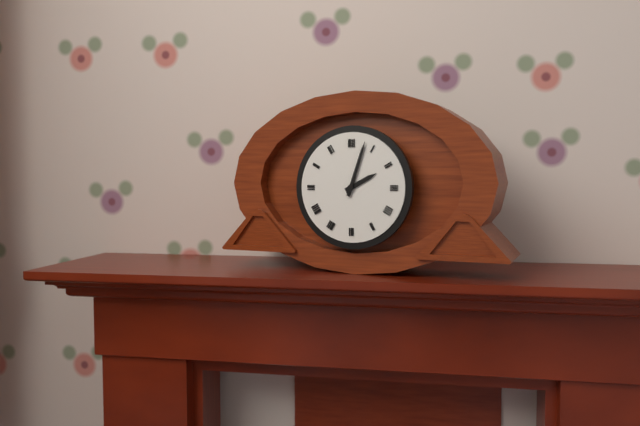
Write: 2:03
